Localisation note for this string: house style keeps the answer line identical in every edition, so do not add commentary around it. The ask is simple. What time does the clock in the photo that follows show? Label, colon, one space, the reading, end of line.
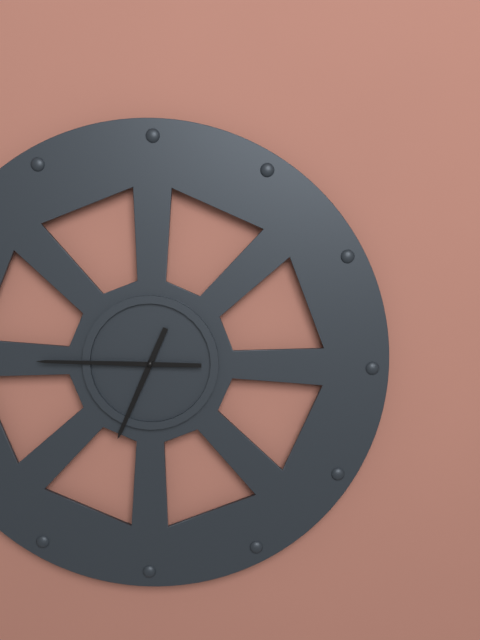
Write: 6:45
